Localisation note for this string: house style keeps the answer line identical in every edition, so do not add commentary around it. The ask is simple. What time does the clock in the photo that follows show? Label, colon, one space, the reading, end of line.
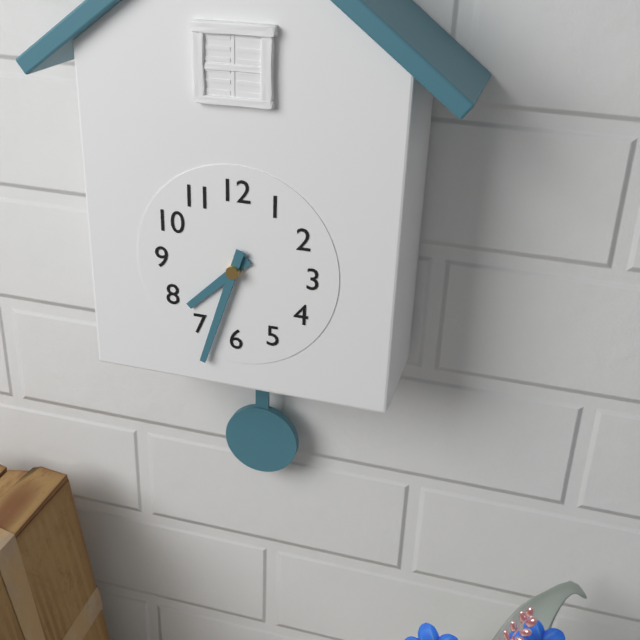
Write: 7:33
